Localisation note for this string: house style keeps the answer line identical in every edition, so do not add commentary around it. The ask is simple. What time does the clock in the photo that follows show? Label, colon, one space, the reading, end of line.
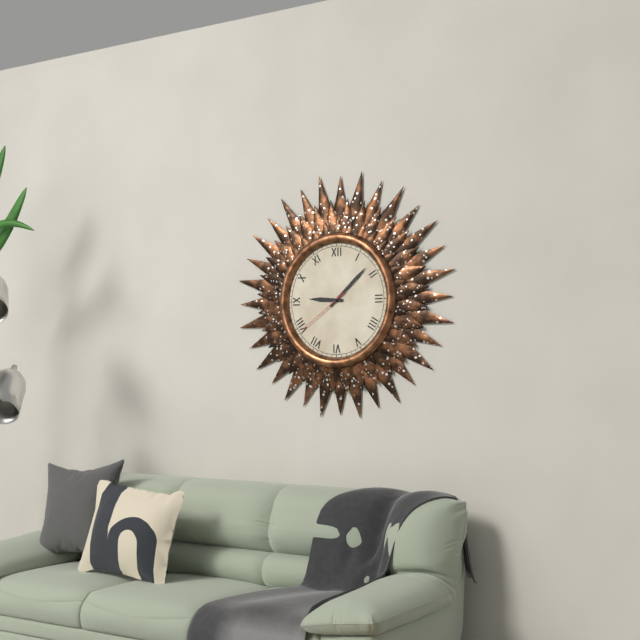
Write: 9:08:39
